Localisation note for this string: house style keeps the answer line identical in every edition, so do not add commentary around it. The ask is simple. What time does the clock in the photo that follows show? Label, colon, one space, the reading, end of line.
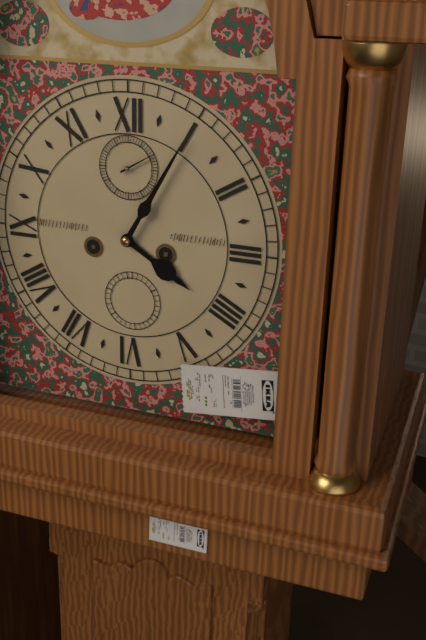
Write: 4:05
